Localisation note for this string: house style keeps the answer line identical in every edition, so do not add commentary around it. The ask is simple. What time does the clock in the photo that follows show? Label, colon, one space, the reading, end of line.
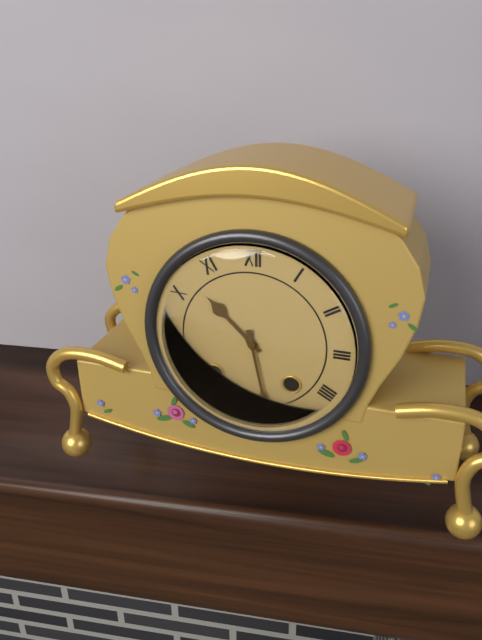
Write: 10:28
